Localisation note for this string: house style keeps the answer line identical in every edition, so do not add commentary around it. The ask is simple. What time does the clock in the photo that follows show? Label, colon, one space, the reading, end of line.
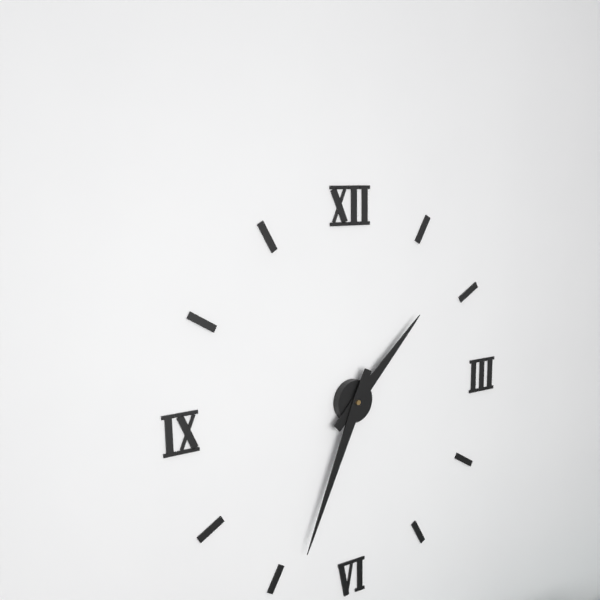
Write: 1:34
